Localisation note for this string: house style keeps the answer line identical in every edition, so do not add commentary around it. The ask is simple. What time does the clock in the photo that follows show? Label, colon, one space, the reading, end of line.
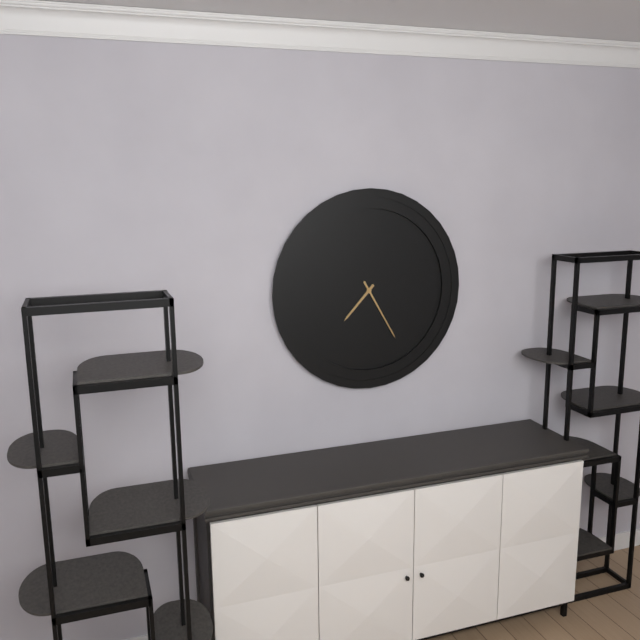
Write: 7:25
